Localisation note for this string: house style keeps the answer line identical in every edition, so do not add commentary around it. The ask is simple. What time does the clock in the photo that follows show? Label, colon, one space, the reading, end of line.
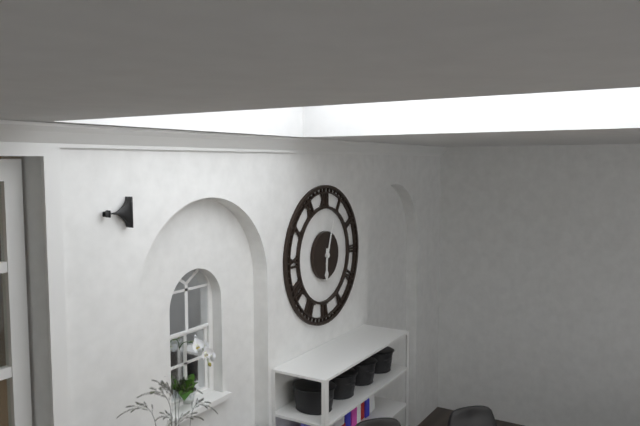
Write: 6:03
